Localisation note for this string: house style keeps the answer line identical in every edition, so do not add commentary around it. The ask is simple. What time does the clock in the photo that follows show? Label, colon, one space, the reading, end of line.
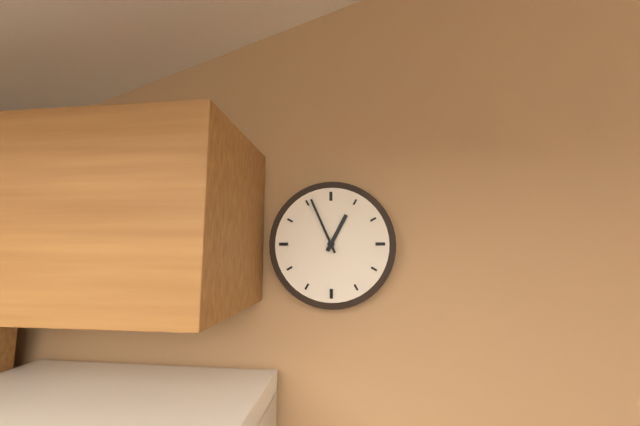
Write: 12:56
